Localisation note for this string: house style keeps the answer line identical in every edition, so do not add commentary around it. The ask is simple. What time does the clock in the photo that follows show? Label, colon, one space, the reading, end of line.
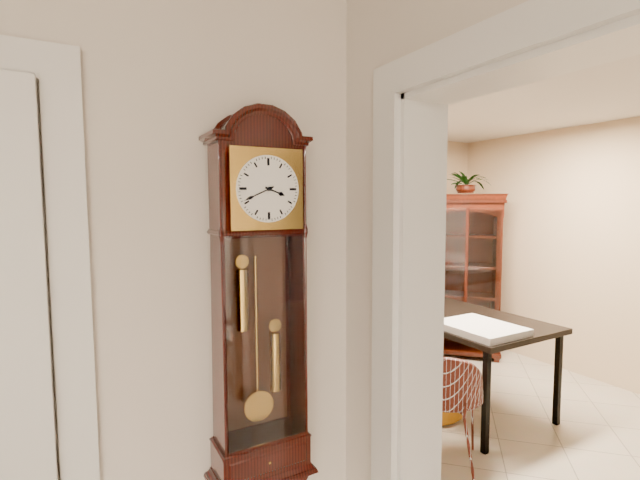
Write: 3:41
